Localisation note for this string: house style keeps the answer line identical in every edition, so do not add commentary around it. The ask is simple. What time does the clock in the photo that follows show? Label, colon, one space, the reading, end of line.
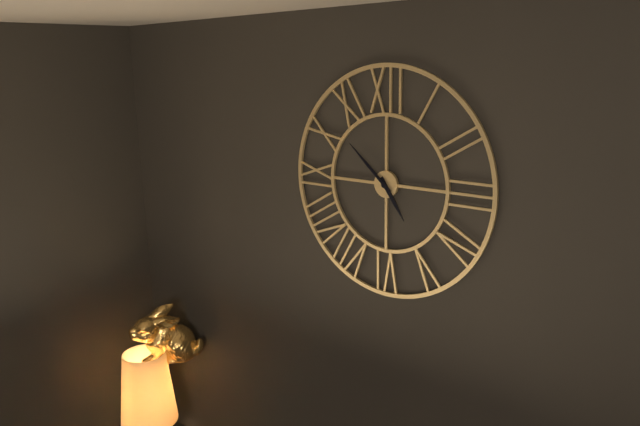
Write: 4:52
